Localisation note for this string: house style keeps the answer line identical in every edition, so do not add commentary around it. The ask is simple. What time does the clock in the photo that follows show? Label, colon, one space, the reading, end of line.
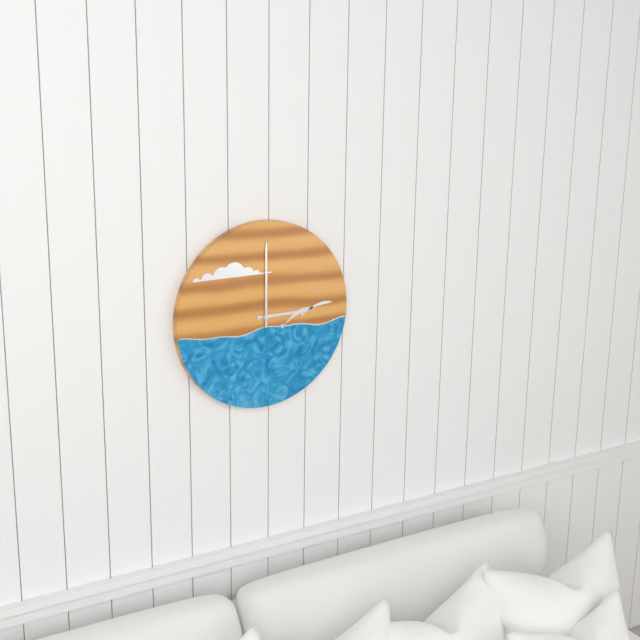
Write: 3:00
